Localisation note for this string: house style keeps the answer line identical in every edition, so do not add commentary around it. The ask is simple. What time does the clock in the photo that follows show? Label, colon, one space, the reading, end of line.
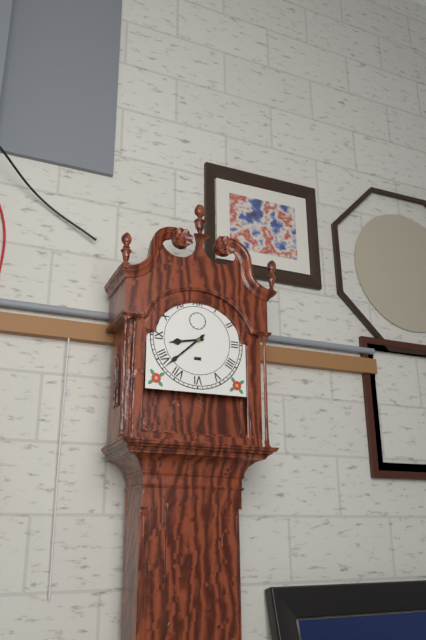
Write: 8:38
